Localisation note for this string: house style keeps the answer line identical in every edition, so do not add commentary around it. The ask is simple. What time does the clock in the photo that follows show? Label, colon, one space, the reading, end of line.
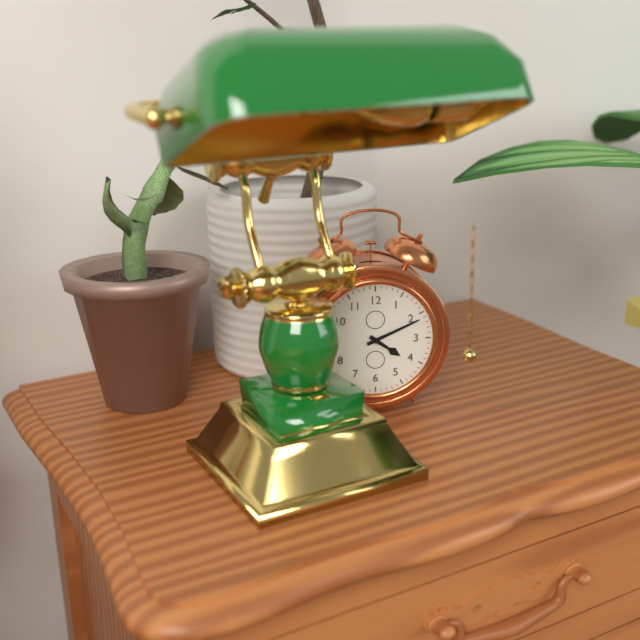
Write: 4:11
